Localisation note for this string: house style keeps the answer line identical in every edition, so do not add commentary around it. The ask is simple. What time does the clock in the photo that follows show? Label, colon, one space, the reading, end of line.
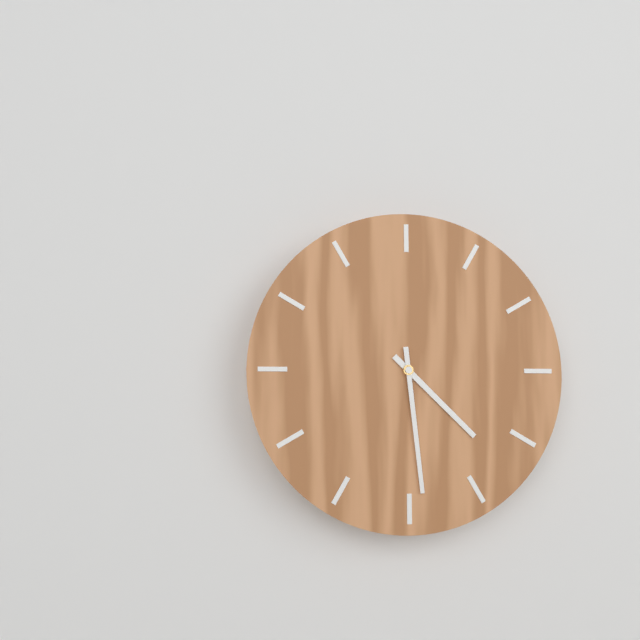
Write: 4:29
